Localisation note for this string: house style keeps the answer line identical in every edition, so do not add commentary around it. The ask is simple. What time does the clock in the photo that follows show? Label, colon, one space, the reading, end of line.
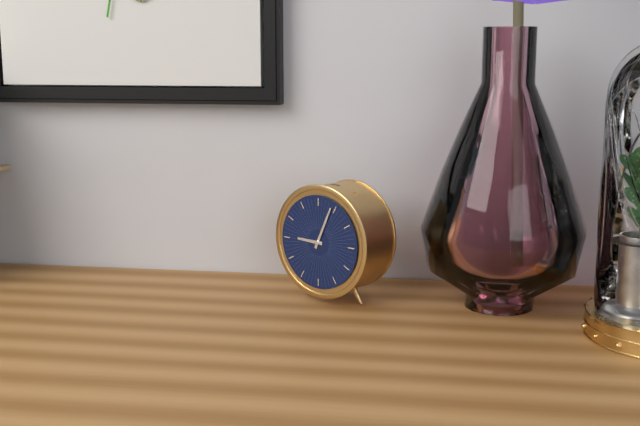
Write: 9:04
